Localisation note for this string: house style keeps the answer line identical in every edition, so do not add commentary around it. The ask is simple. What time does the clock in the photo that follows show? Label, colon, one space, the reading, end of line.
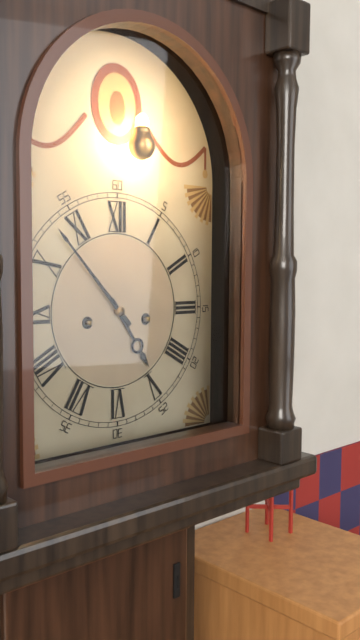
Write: 4:53
